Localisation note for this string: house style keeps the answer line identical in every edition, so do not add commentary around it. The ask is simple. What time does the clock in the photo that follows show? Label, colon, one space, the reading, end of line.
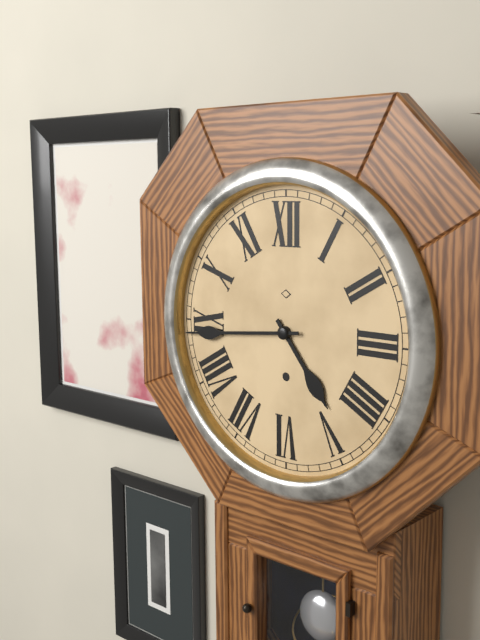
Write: 4:44
